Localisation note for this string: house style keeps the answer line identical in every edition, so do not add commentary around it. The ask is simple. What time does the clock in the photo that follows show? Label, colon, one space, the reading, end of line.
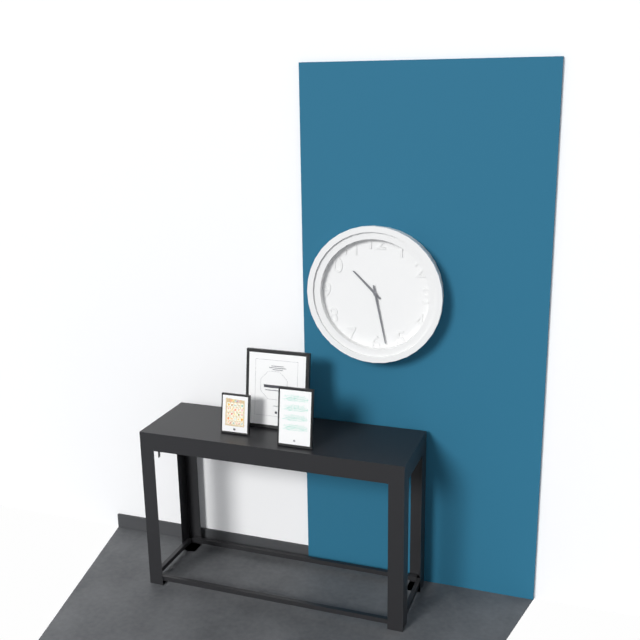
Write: 10:28
